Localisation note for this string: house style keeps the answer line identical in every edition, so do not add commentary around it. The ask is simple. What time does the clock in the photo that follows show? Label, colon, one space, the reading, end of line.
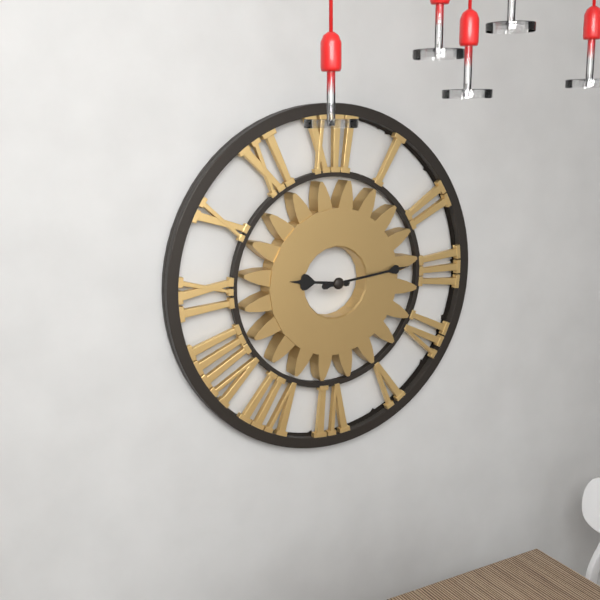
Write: 9:14
